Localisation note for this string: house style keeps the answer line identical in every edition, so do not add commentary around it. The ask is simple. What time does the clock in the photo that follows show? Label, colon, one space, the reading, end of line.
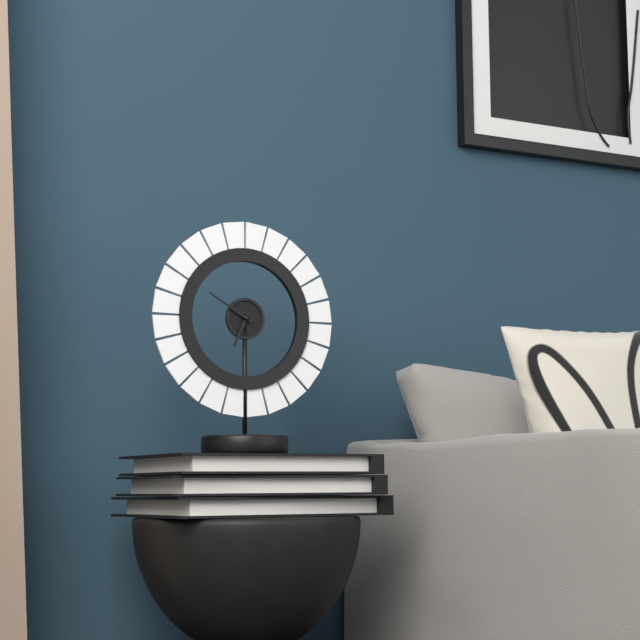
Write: 6:50
